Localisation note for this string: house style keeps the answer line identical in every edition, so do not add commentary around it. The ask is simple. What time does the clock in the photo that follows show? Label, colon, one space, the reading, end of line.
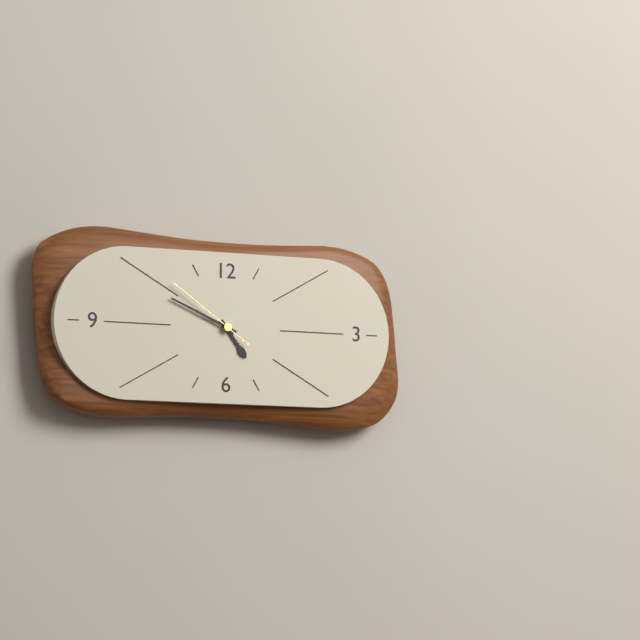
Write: 4:49:51
